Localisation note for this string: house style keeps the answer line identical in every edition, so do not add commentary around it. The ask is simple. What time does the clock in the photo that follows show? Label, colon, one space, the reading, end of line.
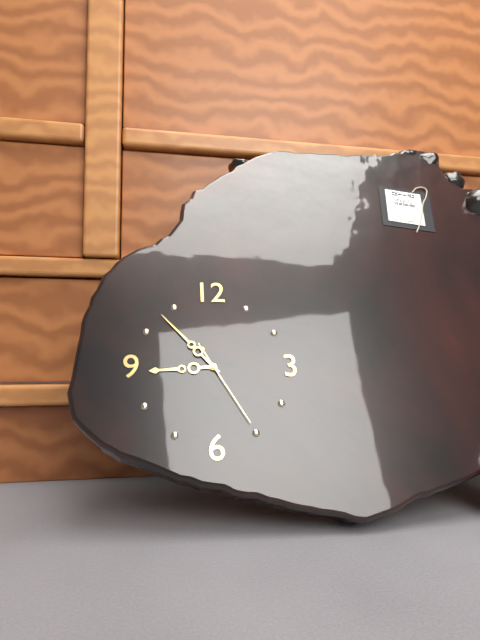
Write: 8:53:25
